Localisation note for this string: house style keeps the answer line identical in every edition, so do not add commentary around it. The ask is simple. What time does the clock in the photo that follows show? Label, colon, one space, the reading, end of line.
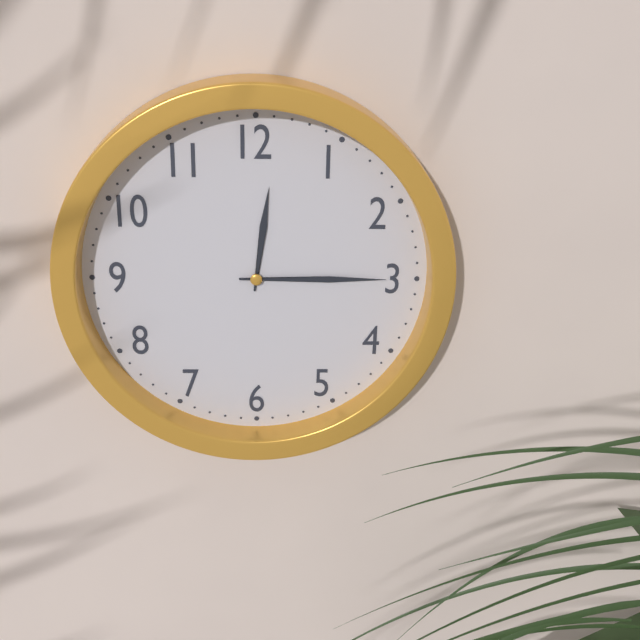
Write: 12:15
